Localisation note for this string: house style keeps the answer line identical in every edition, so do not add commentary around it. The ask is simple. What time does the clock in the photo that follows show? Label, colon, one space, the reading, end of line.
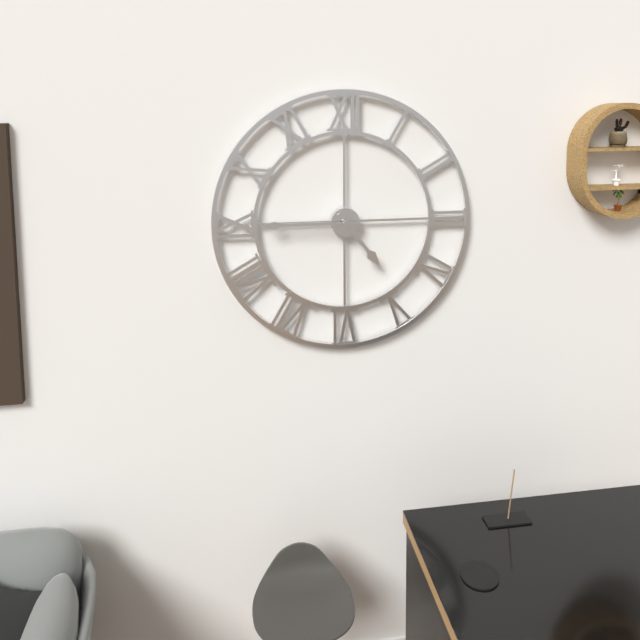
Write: 4:45
